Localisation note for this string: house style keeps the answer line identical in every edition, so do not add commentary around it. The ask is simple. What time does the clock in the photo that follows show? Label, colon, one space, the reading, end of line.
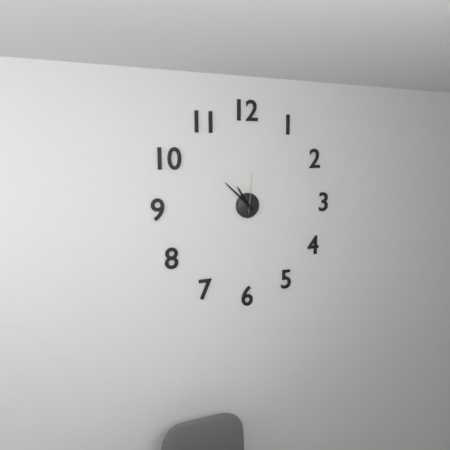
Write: 10:52
